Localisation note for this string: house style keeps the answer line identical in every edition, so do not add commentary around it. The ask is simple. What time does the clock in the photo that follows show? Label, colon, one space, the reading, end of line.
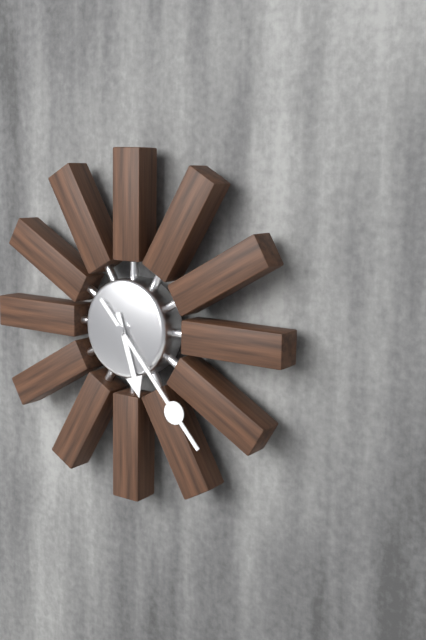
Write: 5:23
